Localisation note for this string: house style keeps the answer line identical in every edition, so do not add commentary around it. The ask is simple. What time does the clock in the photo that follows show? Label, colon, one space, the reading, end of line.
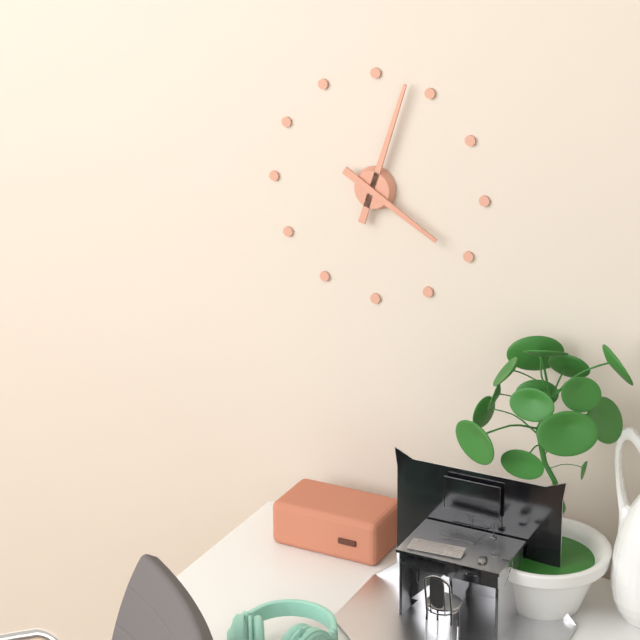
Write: 4:03
